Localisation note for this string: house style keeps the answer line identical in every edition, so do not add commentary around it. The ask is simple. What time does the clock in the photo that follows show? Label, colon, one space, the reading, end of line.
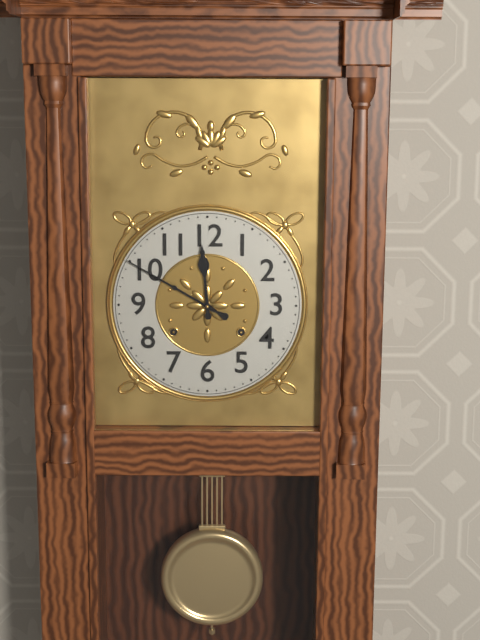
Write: 11:50
